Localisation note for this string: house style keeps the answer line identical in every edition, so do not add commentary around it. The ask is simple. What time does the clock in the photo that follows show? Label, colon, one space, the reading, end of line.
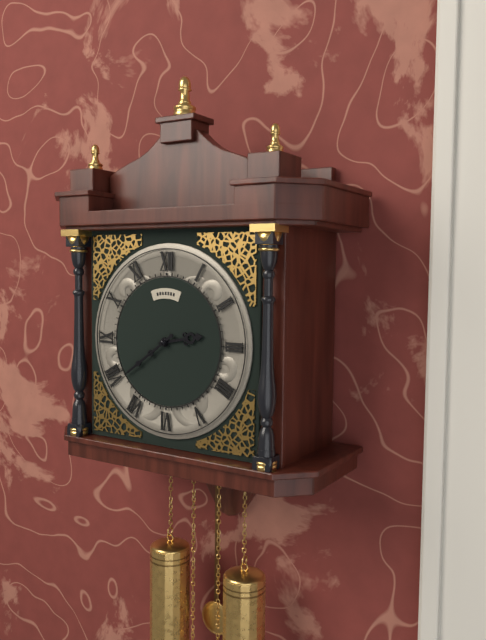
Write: 2:39
